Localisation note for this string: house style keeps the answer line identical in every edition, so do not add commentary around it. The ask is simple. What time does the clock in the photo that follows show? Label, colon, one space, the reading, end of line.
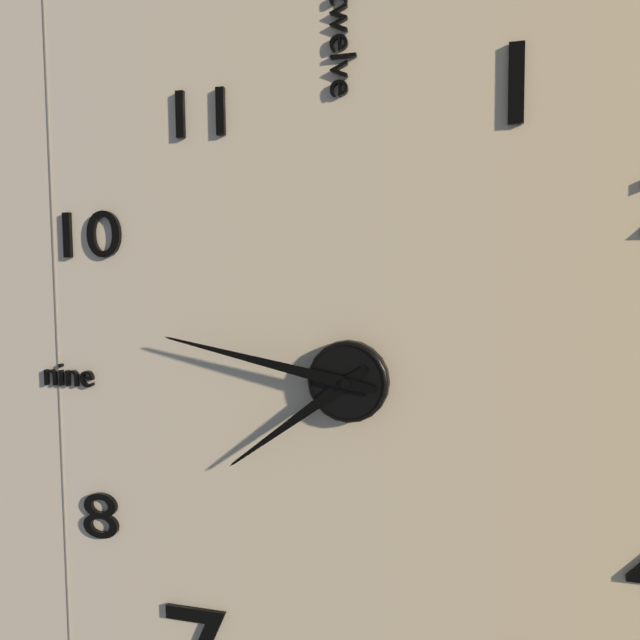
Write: 7:47
